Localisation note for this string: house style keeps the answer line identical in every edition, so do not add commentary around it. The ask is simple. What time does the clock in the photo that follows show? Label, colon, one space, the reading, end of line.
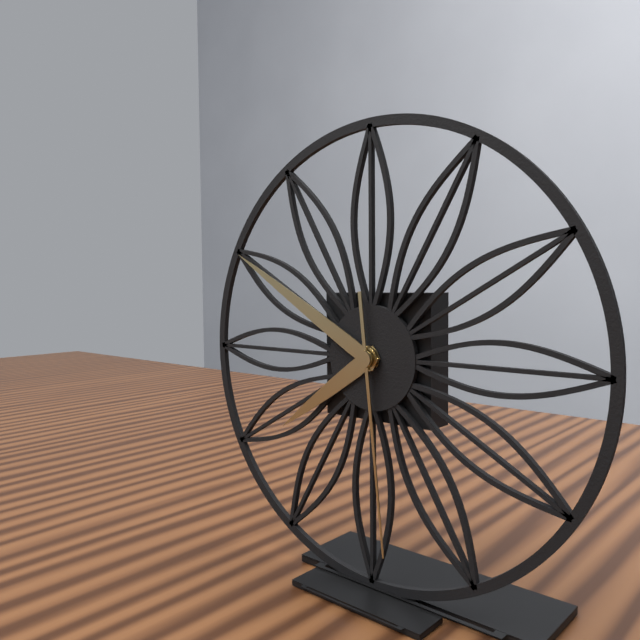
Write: 7:50:29
